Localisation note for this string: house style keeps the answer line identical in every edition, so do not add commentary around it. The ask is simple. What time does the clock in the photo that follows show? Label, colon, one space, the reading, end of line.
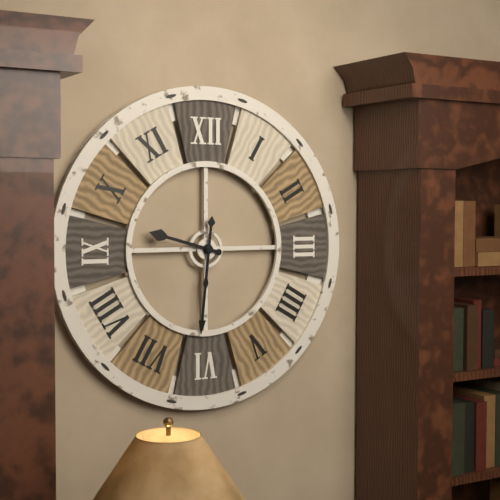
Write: 9:31
